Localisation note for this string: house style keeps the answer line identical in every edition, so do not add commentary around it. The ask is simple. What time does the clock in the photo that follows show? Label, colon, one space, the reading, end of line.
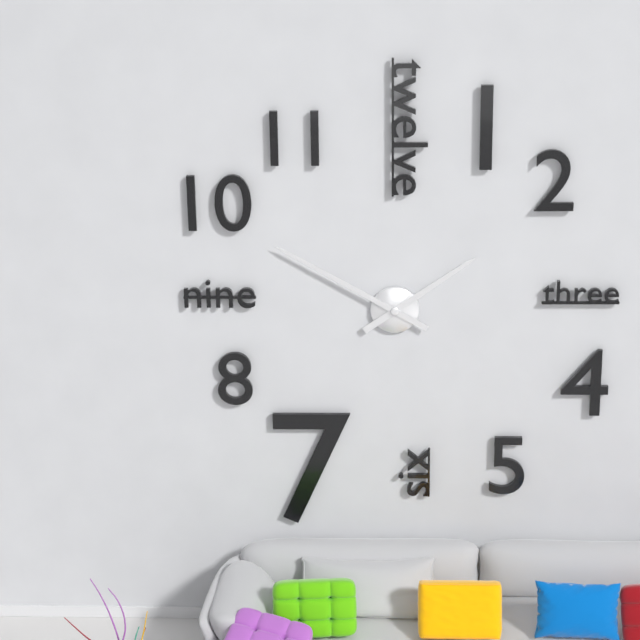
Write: 1:50
